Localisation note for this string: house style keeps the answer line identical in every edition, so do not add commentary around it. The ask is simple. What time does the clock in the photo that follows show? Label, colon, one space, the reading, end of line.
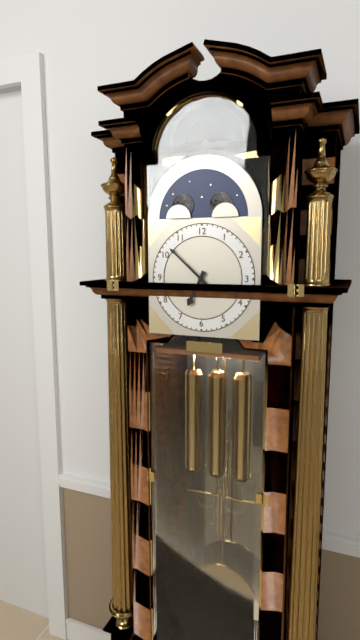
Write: 6:52
